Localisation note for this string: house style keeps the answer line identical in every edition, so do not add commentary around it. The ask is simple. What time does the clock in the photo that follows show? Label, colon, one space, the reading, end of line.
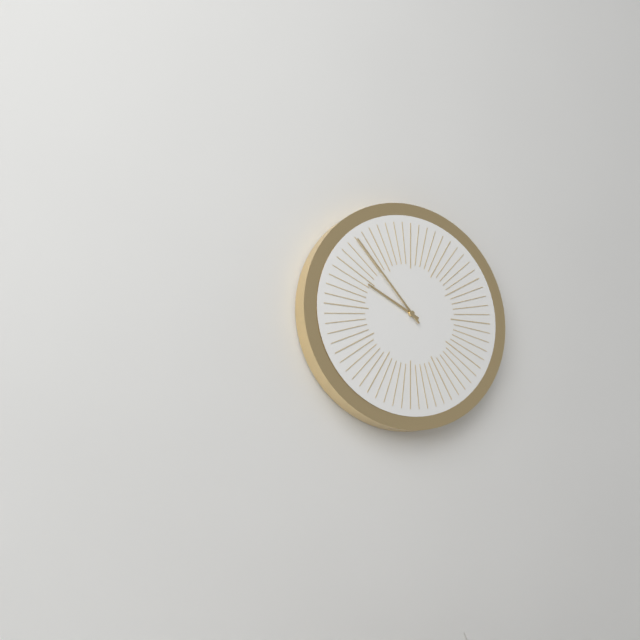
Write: 9:53
